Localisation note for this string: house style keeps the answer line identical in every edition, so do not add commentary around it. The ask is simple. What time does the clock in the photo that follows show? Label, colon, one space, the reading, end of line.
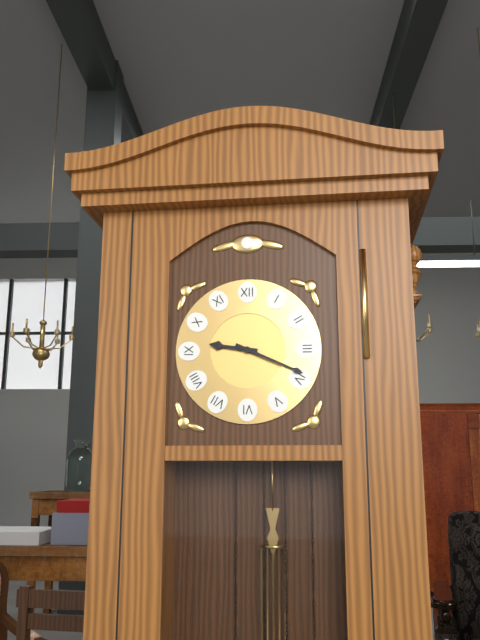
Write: 9:19
